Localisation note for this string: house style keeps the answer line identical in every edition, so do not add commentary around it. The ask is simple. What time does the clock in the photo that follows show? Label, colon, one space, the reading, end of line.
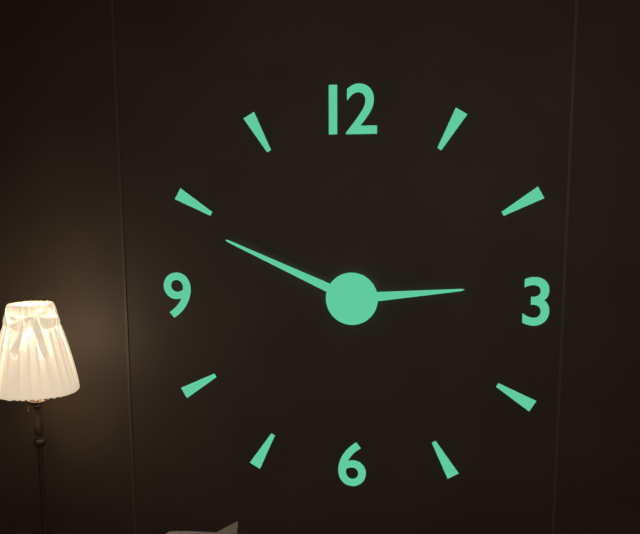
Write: 2:49
